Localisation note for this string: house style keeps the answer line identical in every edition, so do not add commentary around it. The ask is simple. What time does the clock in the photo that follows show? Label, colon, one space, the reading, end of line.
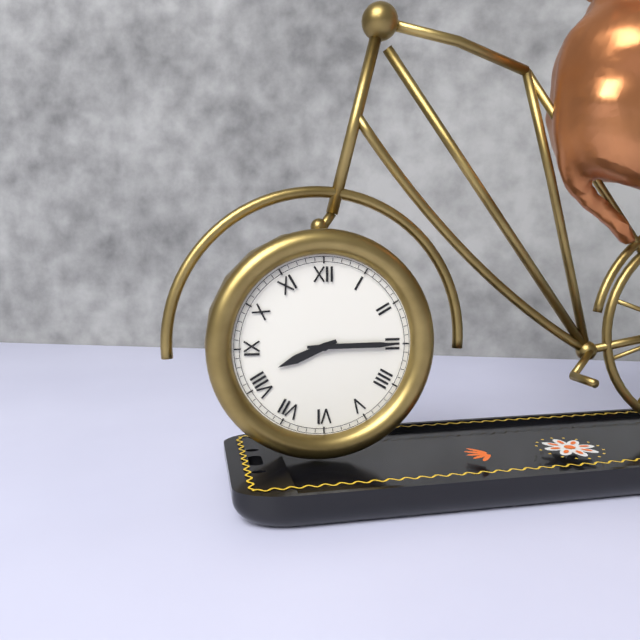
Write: 8:15
